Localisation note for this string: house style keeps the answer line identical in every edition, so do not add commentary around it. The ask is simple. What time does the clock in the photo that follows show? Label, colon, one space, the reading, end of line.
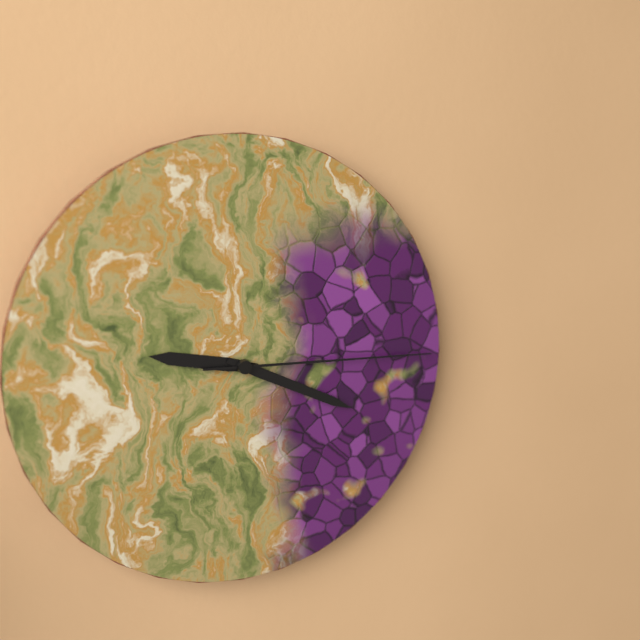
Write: 9:19:15
